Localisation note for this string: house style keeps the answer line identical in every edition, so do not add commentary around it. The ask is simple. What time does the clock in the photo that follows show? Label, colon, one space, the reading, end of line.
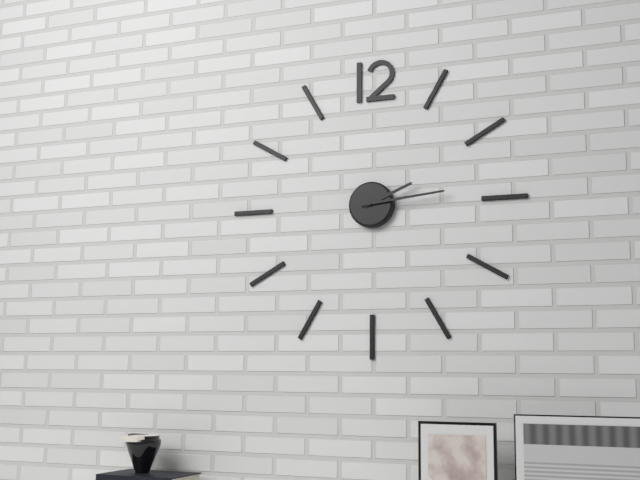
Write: 2:14
